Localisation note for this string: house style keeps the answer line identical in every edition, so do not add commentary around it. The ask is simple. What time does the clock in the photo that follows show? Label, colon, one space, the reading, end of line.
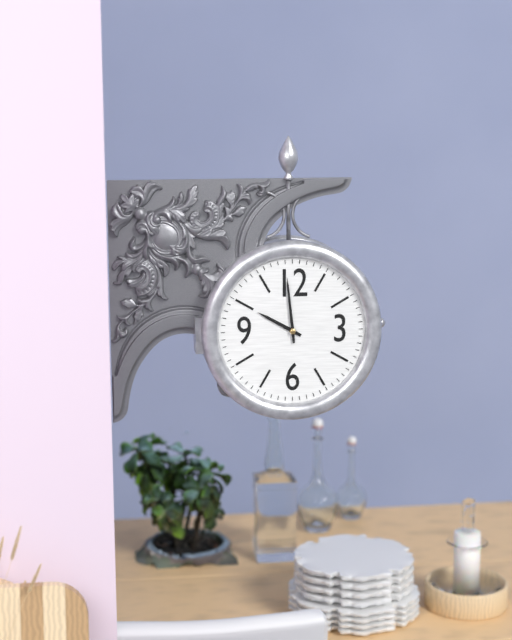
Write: 9:59
